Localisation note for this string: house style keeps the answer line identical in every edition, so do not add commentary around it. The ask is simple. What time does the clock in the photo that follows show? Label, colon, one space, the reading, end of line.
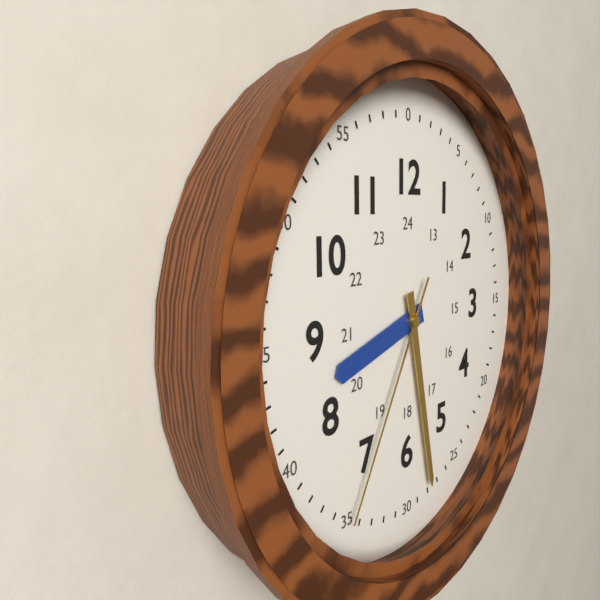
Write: 8:28:35
